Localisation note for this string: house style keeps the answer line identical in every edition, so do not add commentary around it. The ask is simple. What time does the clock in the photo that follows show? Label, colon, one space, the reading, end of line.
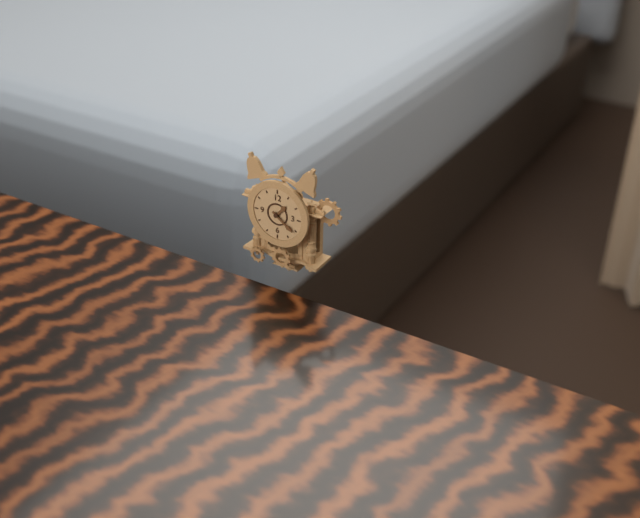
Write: 1:21
